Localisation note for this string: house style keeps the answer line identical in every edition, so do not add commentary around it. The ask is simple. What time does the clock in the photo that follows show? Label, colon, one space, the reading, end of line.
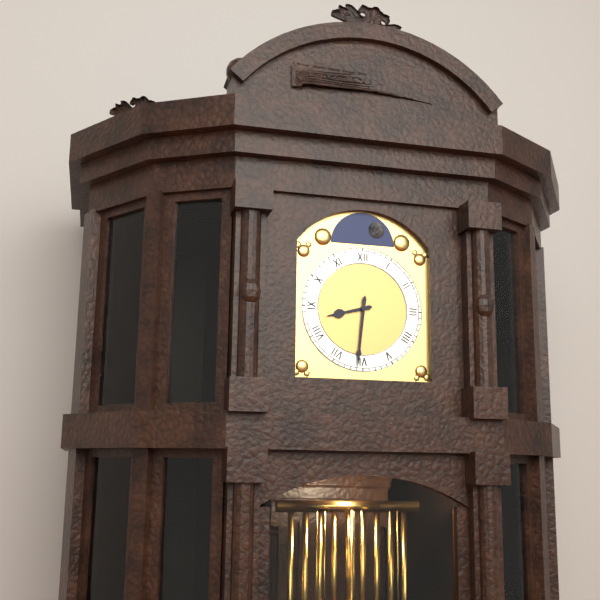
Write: 8:31
